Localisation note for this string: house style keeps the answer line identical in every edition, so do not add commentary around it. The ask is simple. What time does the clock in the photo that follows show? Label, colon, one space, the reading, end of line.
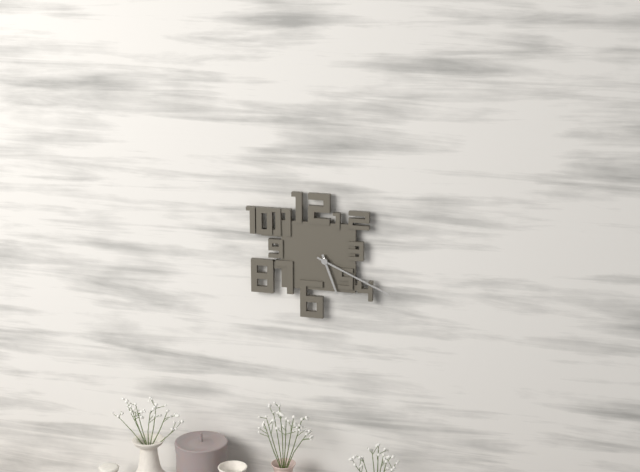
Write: 5:19
